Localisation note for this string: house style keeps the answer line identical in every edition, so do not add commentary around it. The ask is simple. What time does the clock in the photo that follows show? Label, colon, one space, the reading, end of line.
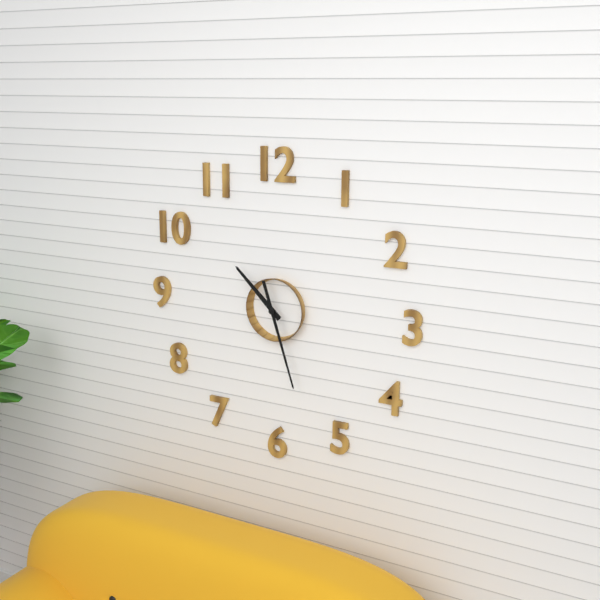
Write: 10:27
